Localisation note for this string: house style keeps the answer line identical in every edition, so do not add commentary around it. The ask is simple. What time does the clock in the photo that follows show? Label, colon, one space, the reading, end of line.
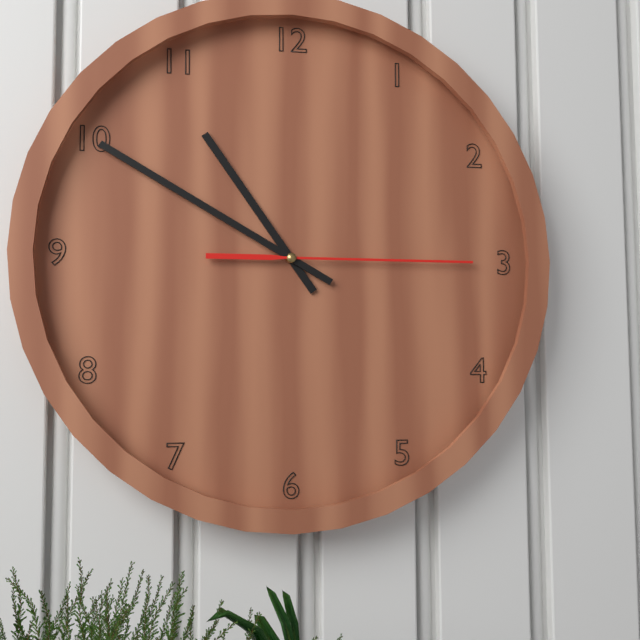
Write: 10:50:15
